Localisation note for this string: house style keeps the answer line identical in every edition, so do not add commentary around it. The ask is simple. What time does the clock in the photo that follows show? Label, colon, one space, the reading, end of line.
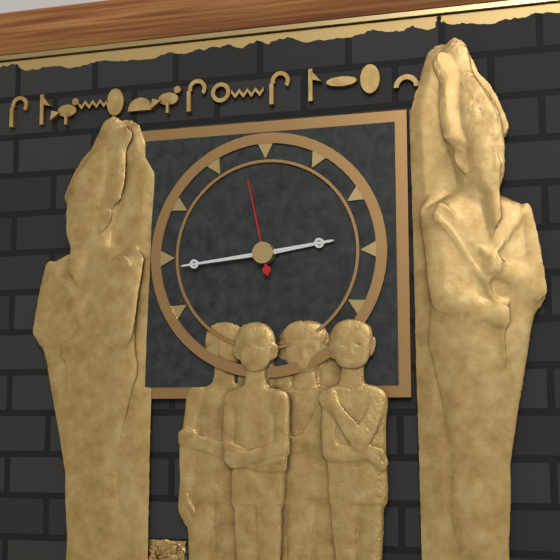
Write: 2:44:58
